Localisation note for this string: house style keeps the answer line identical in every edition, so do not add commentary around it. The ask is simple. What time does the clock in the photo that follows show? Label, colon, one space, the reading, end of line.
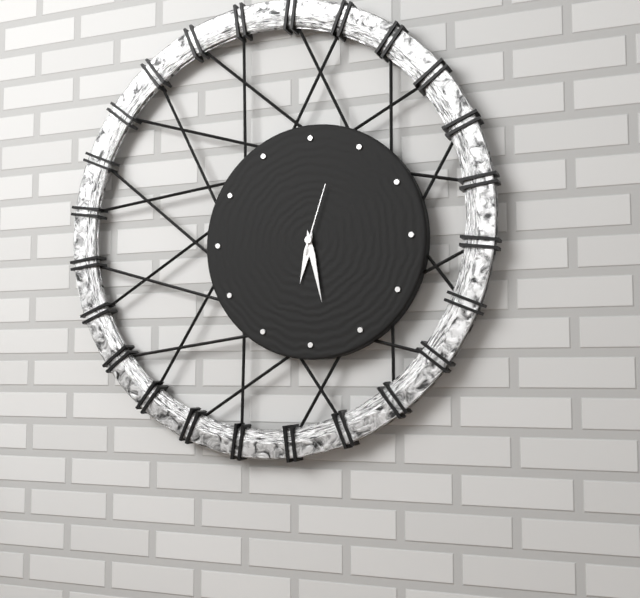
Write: 6:28:03
